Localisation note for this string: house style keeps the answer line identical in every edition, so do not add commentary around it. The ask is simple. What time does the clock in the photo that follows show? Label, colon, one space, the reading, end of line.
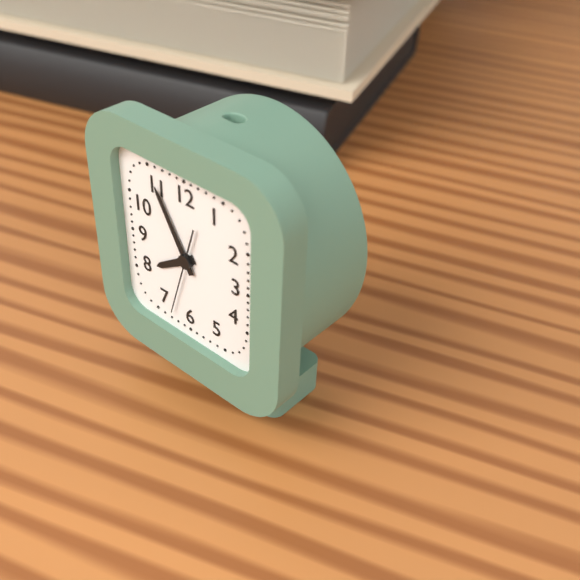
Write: 7:55:33
